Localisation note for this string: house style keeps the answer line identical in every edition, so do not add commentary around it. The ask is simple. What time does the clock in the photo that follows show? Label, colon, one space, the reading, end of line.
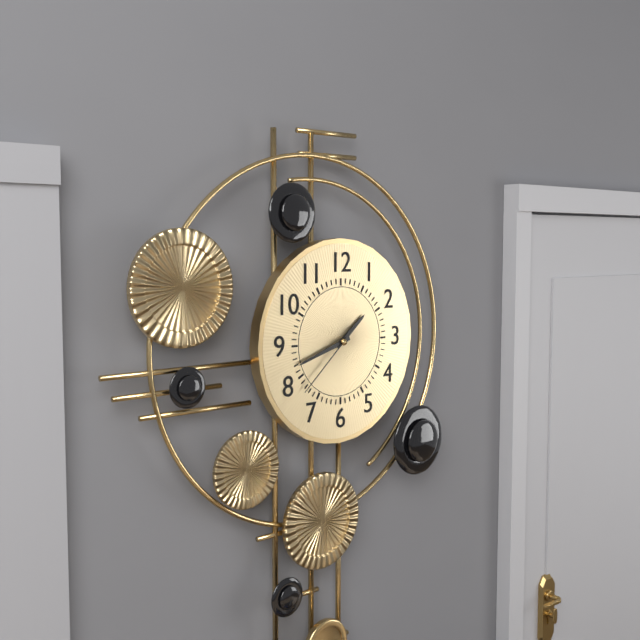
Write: 1:42:38
